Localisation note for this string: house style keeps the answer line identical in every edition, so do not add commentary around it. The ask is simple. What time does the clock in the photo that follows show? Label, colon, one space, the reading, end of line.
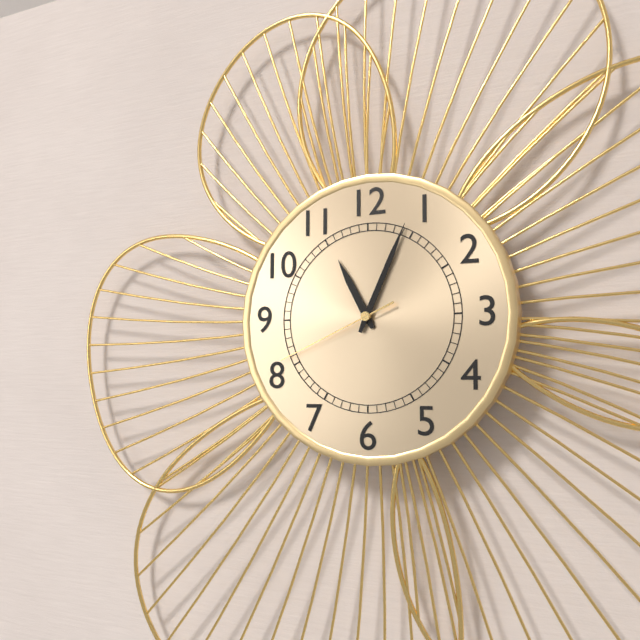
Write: 11:04:41
